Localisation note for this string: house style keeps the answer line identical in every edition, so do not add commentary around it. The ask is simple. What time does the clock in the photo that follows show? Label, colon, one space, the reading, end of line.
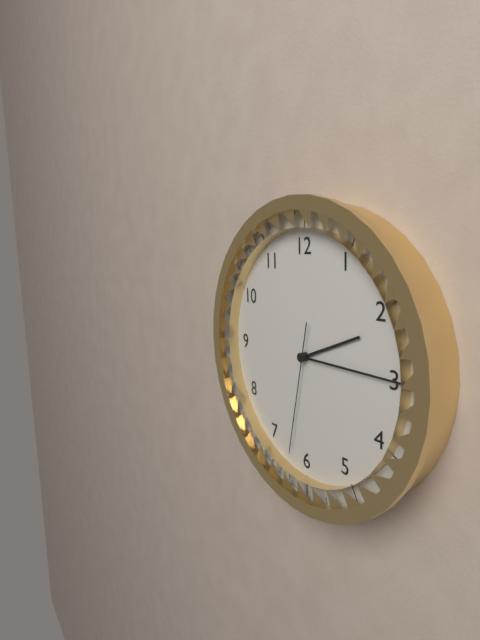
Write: 2:15:32
